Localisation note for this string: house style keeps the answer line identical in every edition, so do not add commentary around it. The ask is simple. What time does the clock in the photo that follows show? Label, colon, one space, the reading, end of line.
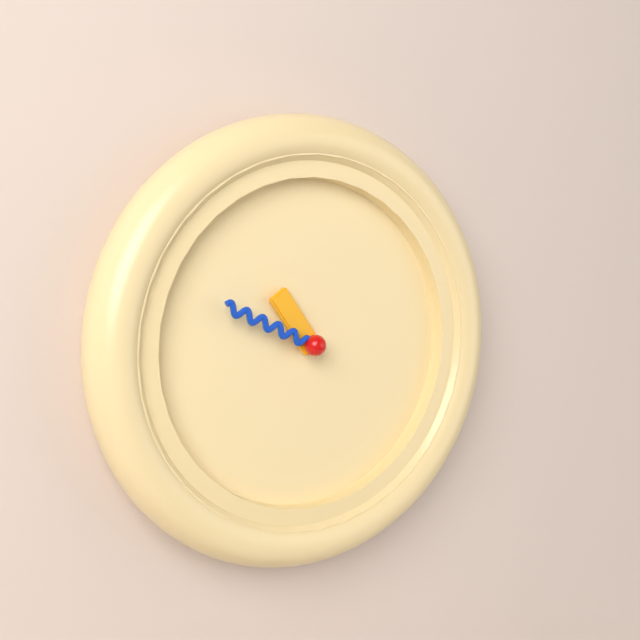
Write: 10:49
